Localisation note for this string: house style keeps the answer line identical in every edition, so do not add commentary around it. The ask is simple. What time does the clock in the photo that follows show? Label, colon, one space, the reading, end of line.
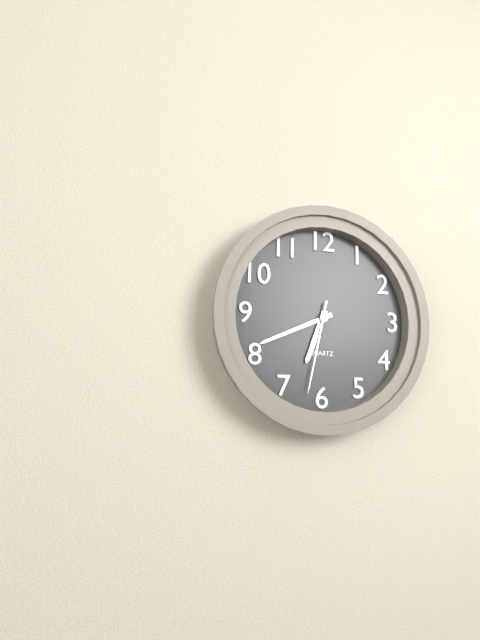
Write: 6:41:32
